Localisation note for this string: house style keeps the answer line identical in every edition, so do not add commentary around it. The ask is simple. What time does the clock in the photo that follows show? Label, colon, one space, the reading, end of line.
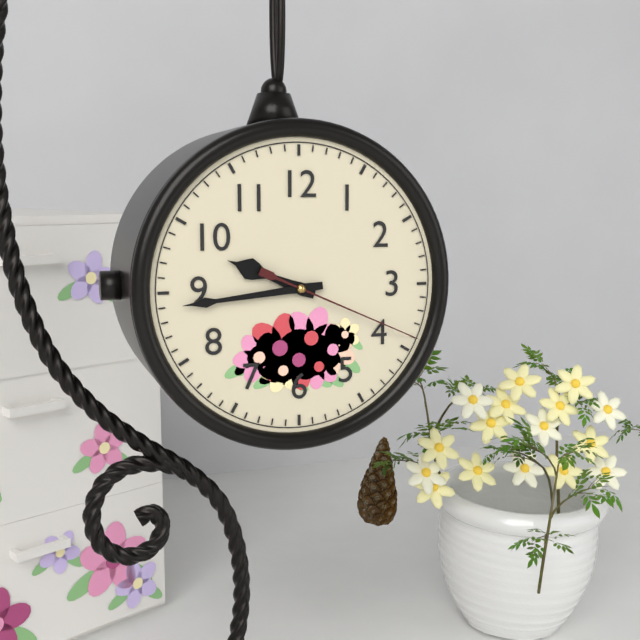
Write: 9:44:19
